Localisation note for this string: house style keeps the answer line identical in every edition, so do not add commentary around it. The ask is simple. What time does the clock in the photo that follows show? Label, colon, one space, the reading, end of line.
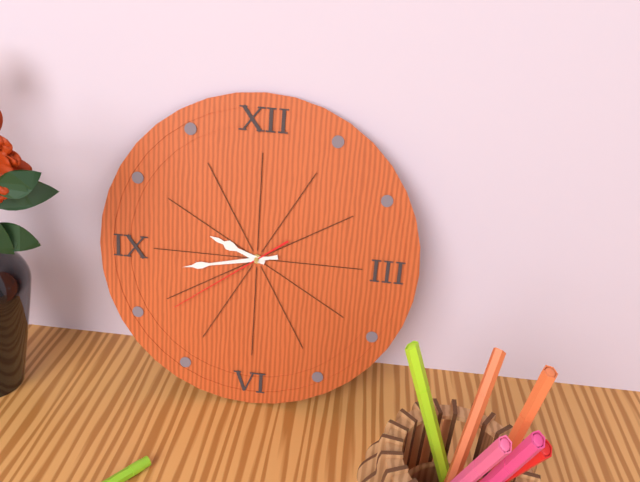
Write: 9:43:39
